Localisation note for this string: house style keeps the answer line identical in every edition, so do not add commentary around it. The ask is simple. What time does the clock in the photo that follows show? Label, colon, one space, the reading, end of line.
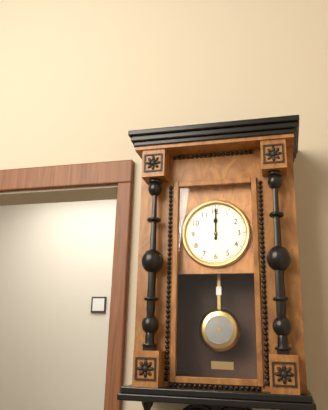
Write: 12:00
